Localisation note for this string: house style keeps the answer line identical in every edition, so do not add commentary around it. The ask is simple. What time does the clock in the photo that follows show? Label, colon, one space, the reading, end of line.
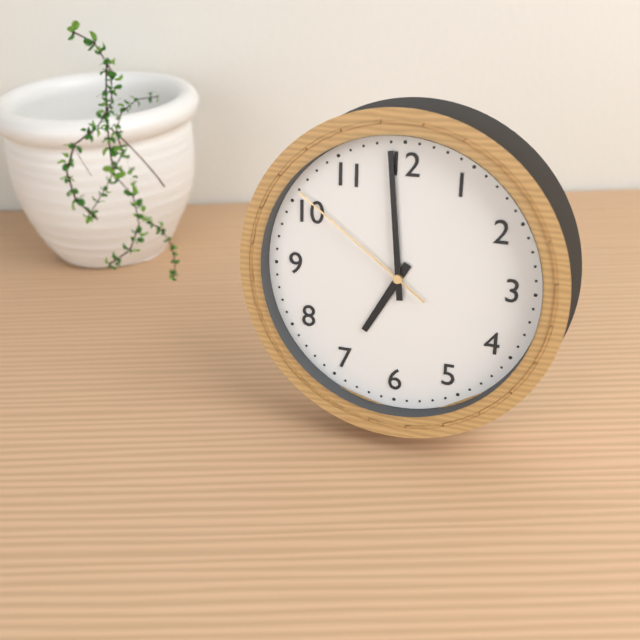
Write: 6:59:51
